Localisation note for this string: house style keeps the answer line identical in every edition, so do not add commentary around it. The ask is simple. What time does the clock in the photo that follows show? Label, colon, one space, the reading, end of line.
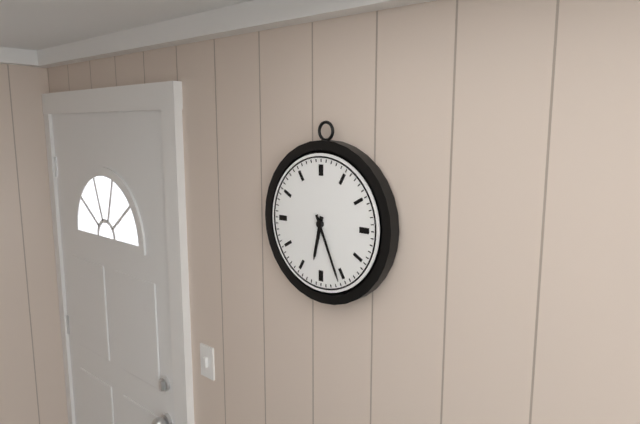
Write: 6:26
